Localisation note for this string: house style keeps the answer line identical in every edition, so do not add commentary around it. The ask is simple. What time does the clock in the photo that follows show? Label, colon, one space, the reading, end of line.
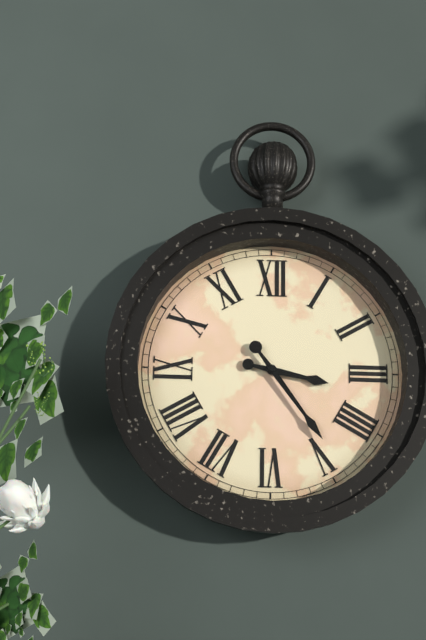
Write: 3:24
